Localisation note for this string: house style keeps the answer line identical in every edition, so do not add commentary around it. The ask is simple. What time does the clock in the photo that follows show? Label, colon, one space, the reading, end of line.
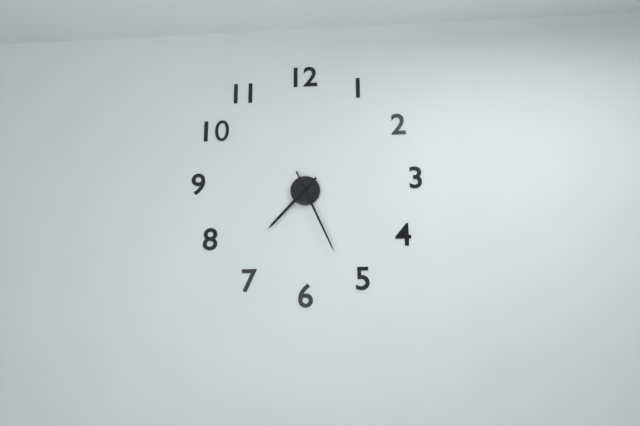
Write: 7:26
